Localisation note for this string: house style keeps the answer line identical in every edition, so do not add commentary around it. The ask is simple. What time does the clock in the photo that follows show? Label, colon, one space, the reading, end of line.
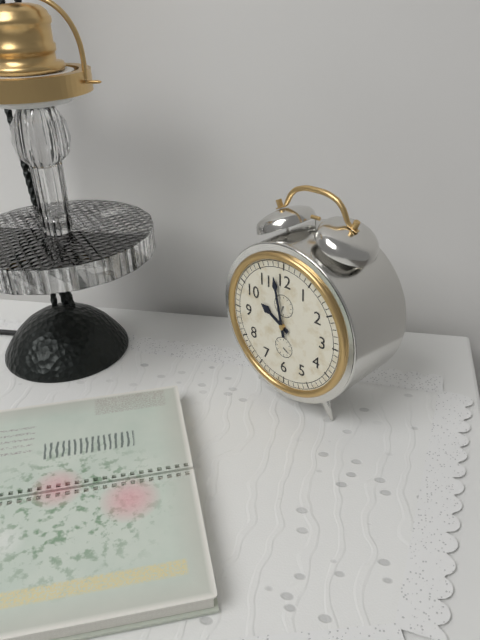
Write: 9:58
